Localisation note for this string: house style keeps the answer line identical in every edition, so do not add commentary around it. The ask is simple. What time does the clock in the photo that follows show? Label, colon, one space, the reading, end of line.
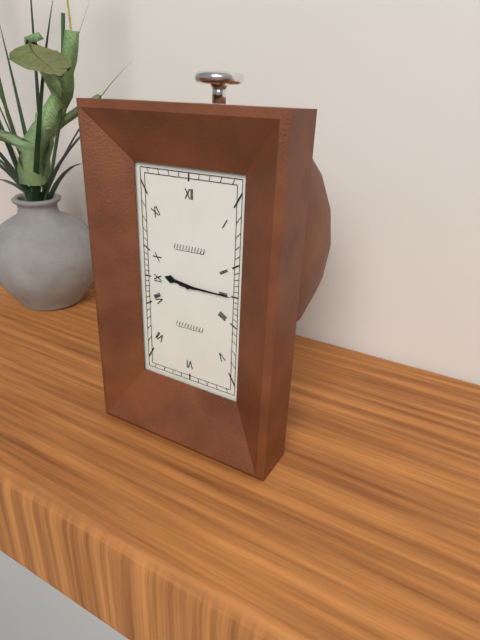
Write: 9:15
